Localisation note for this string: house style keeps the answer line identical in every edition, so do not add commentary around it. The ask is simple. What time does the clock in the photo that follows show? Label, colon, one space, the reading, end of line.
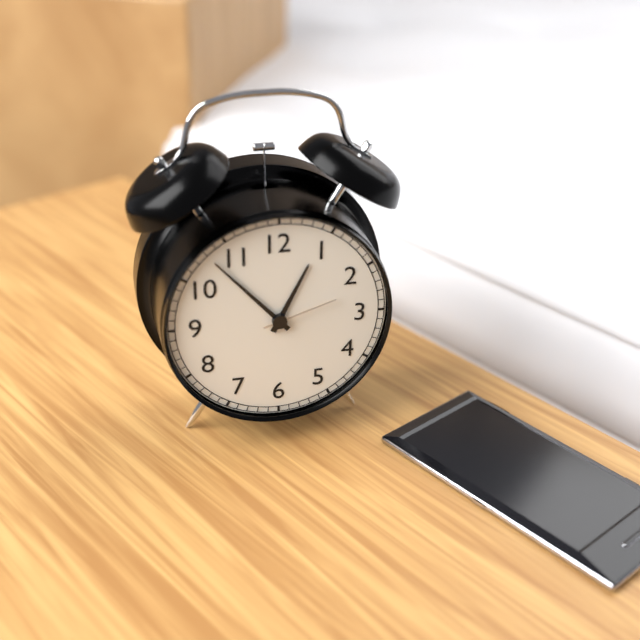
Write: 12:53:12
